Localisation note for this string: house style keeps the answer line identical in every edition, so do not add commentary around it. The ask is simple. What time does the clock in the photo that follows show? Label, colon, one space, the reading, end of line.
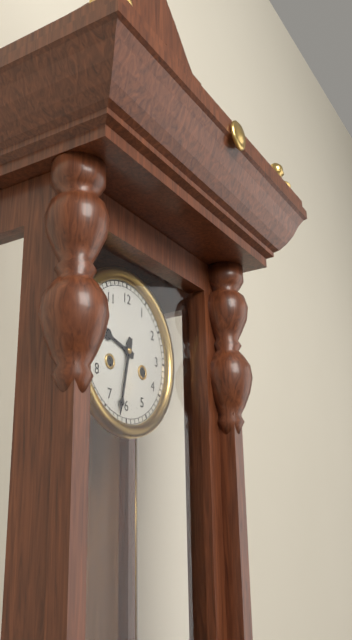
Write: 9:32
